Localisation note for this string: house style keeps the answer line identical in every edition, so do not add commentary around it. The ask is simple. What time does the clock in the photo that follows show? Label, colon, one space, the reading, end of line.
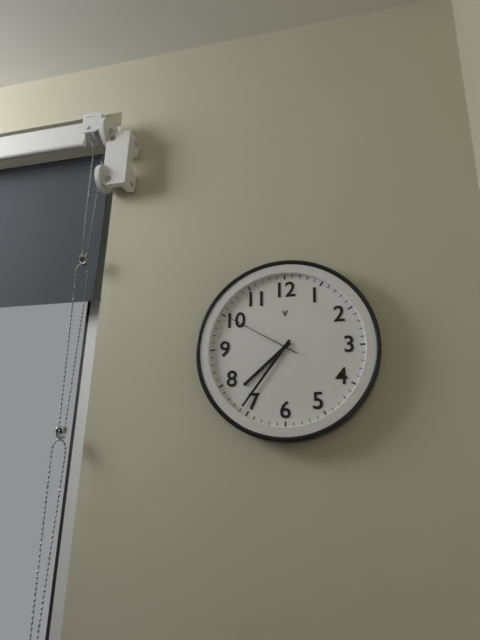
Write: 7:36:50
